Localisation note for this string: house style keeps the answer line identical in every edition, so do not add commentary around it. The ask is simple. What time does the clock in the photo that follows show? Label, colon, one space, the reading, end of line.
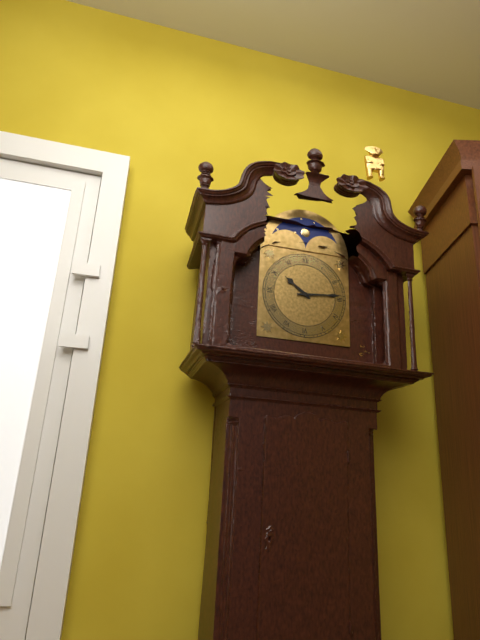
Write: 10:14
